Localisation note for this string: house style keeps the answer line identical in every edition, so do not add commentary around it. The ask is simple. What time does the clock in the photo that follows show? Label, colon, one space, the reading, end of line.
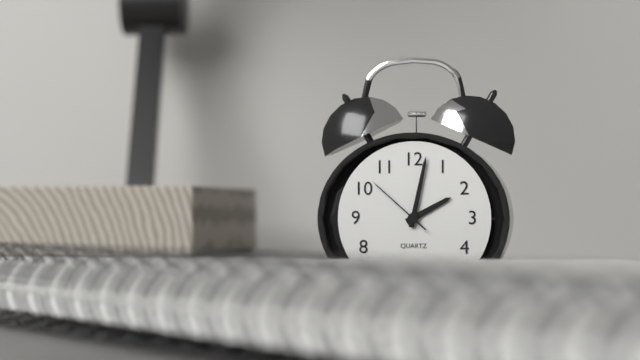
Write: 2:02:52
